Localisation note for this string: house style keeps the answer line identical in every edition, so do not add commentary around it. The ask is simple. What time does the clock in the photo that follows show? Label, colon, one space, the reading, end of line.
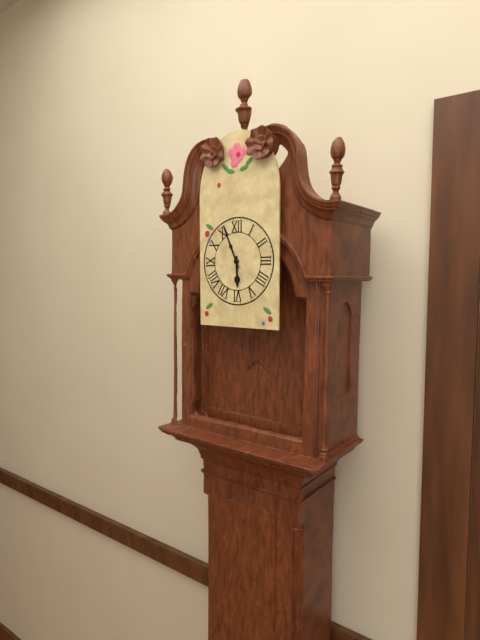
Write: 5:56
